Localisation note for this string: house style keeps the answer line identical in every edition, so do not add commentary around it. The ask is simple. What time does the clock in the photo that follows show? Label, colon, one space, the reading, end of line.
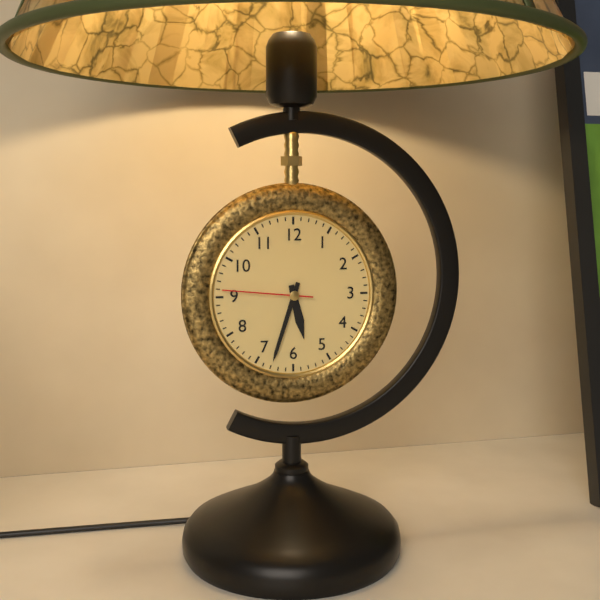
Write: 5:33:46
